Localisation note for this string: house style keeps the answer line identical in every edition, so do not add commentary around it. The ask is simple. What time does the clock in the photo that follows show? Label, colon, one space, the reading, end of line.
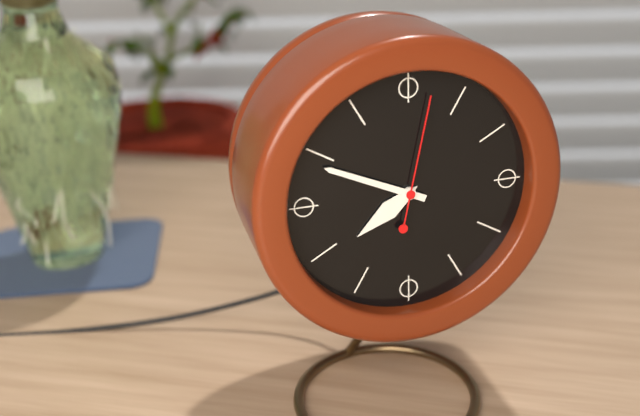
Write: 7:49:02
